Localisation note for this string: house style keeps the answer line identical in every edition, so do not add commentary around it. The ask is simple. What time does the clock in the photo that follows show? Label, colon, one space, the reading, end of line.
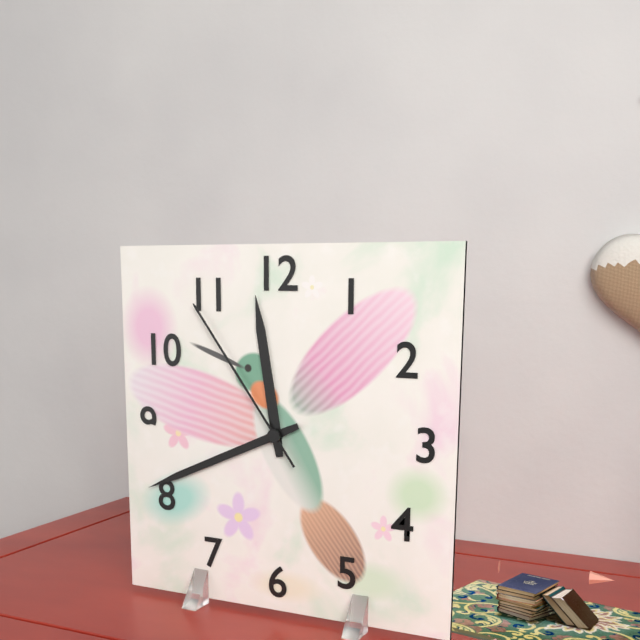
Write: 11:41:54
